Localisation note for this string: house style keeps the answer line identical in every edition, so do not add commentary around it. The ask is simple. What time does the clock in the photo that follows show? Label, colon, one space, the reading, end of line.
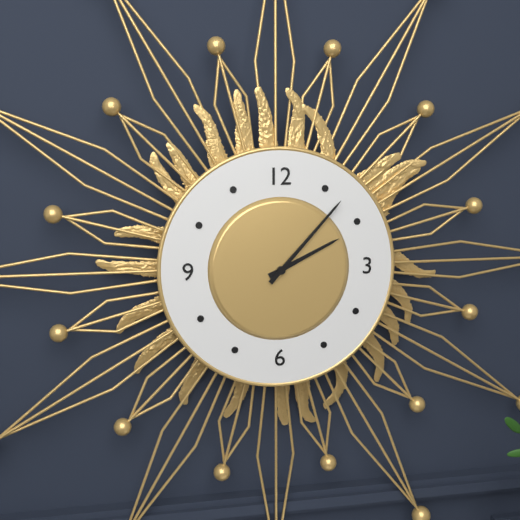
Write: 2:07
